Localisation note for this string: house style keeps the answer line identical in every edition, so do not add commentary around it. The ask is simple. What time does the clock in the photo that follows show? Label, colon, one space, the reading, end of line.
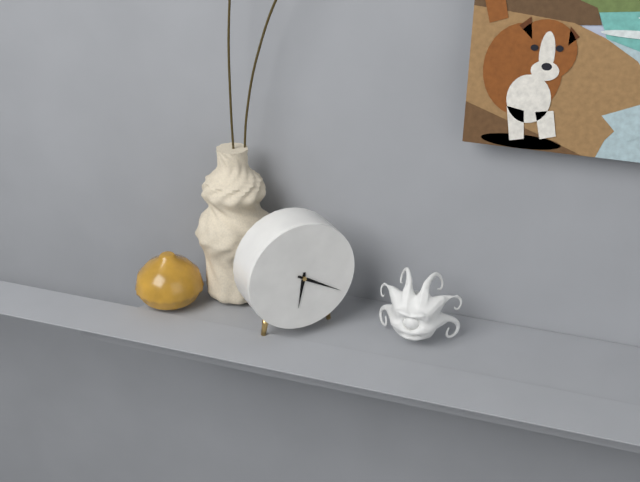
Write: 6:20
